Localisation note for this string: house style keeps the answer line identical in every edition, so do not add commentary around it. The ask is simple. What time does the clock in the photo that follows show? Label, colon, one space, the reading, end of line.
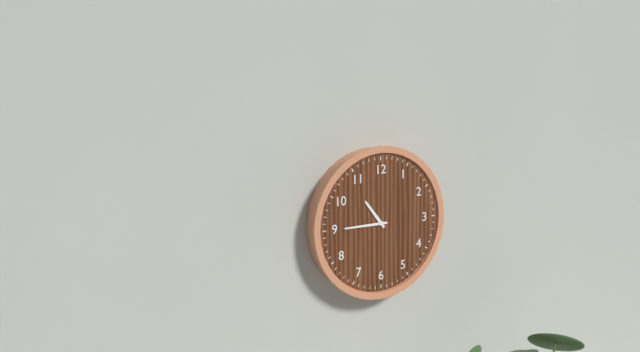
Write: 10:45
